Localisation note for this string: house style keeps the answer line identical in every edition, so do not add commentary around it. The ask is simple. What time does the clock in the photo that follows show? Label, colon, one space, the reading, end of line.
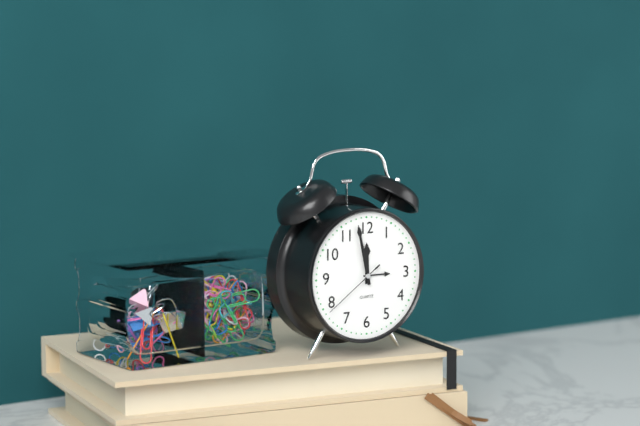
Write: 11:58:39
